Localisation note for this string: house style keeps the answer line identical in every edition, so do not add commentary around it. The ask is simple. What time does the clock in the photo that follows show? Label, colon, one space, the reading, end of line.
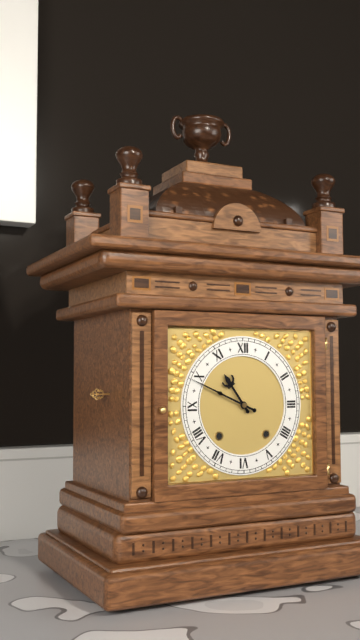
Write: 10:49
